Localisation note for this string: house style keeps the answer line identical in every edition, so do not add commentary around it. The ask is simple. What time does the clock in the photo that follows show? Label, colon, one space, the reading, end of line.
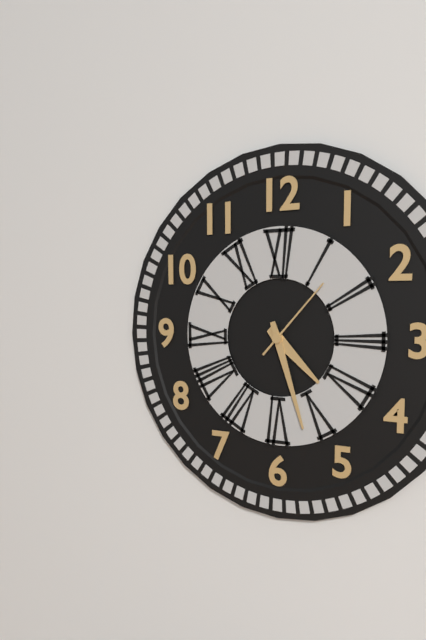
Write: 4:27:07
